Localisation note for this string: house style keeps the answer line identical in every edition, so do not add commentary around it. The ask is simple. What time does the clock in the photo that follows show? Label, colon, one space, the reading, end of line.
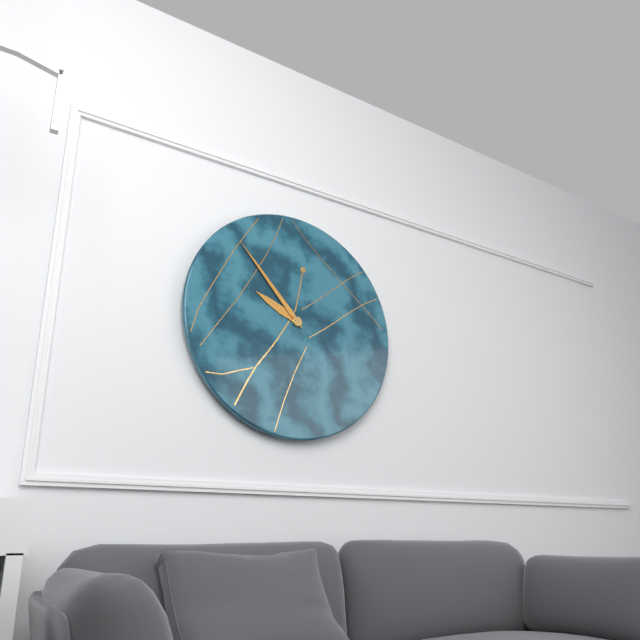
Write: 9:53
